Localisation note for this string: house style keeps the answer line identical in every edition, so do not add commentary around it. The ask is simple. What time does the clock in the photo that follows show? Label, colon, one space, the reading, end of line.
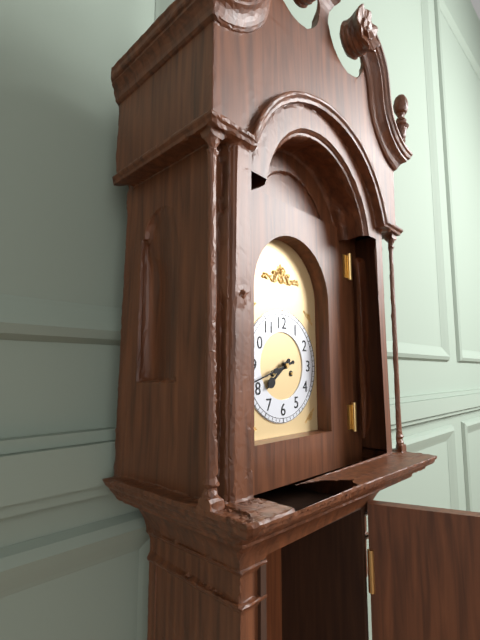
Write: 7:42
